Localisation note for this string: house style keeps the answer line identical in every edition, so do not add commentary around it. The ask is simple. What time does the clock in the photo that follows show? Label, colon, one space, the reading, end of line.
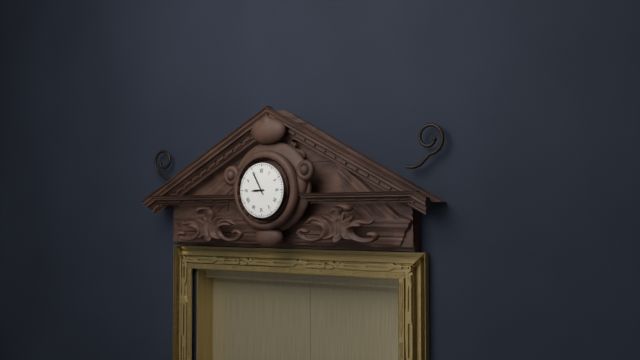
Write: 8:55
